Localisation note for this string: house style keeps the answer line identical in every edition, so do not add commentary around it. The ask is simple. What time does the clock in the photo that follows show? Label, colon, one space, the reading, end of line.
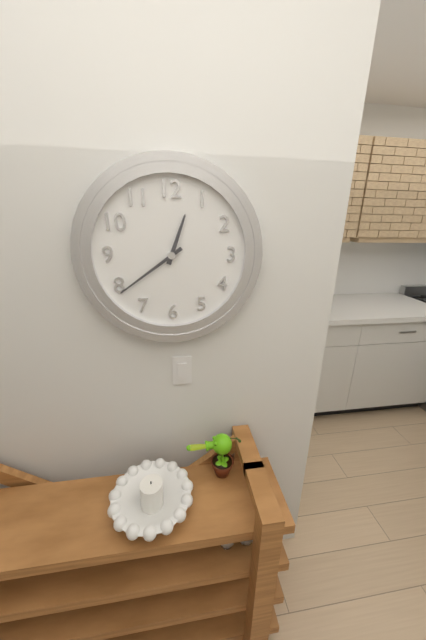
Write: 12:39
